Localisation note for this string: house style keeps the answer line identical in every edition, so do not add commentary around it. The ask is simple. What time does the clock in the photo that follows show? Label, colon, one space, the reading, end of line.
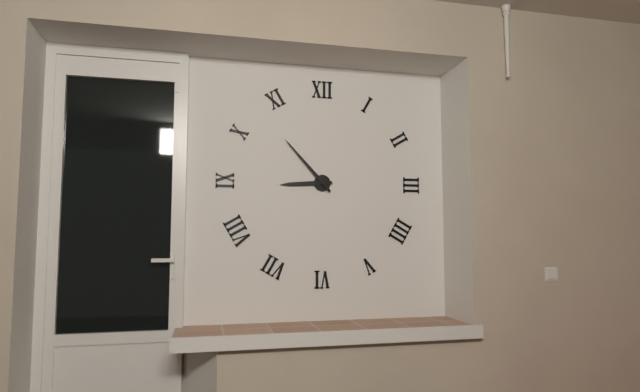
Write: 8:53
